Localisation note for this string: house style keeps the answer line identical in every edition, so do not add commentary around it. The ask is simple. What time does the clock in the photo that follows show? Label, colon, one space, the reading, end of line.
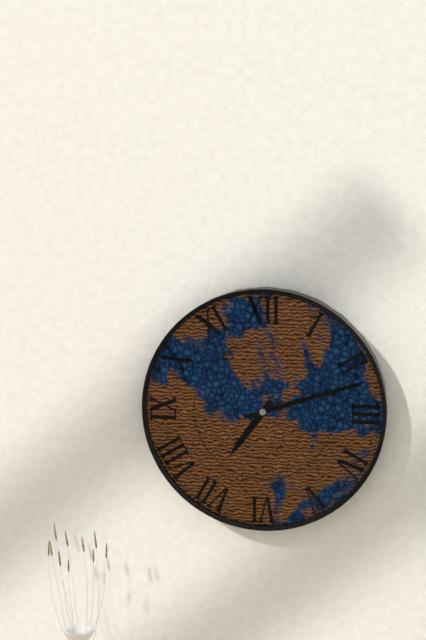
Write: 7:12
